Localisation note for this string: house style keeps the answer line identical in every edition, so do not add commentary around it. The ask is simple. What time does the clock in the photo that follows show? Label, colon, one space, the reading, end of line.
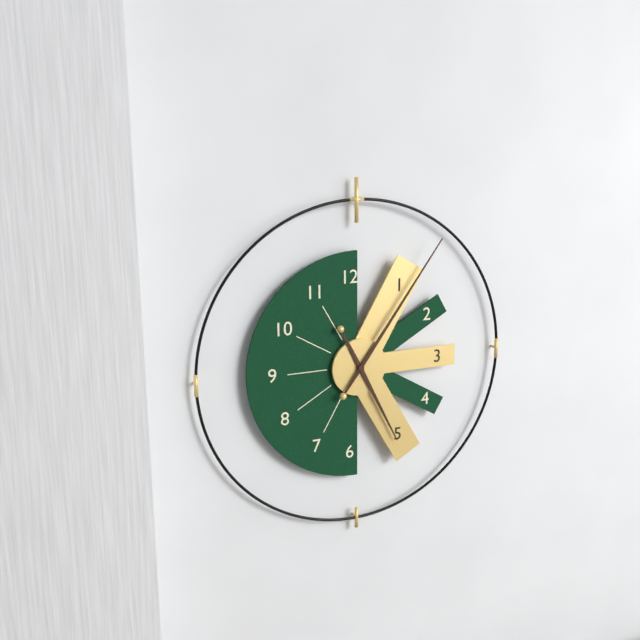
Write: 5:06
